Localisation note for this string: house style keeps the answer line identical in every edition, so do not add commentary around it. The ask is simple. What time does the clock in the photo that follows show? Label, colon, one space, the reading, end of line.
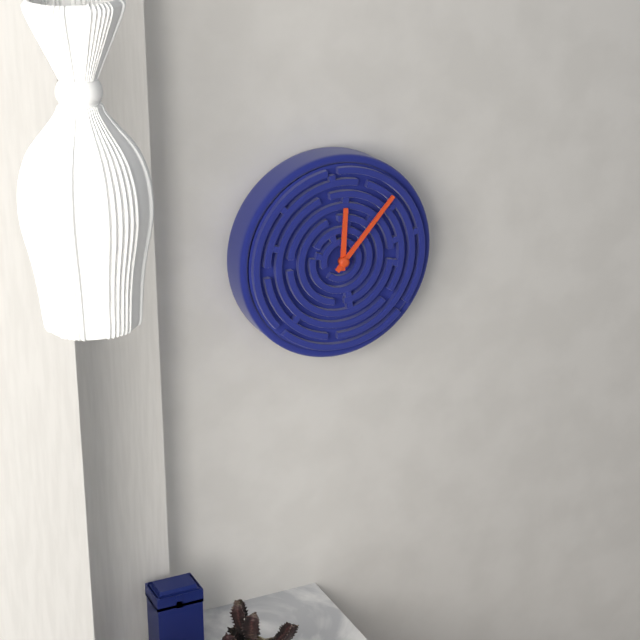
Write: 12:07
